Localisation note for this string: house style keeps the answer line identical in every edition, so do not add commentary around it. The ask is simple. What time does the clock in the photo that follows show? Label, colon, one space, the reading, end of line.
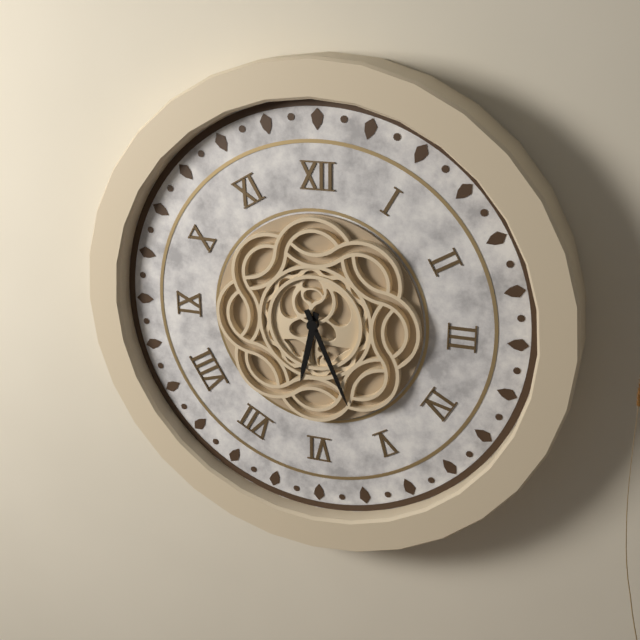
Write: 6:26
